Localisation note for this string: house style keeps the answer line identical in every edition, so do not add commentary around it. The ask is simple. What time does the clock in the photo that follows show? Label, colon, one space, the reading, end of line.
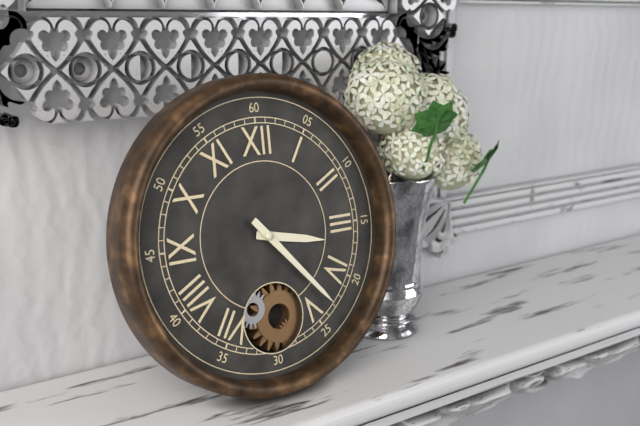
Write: 3:23
